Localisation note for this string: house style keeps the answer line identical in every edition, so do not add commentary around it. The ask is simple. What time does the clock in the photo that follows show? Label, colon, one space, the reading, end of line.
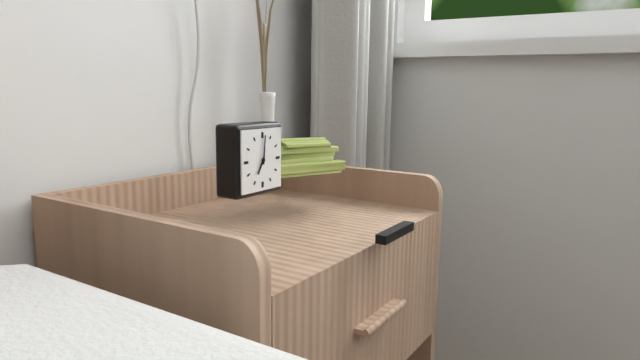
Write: 7:01
